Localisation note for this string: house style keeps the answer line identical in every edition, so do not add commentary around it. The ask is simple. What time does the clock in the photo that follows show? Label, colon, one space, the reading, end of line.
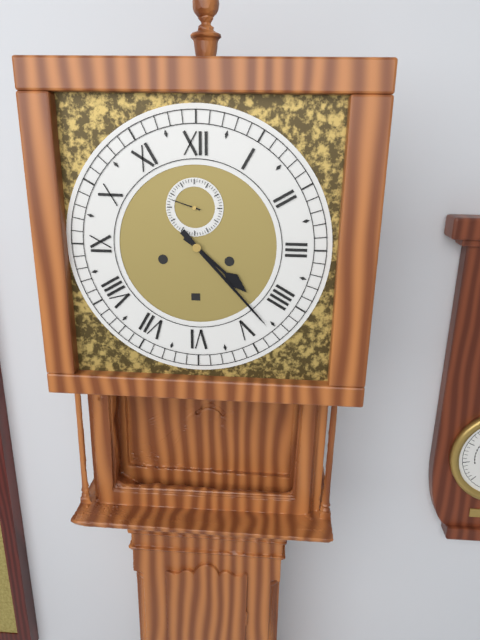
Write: 4:23
